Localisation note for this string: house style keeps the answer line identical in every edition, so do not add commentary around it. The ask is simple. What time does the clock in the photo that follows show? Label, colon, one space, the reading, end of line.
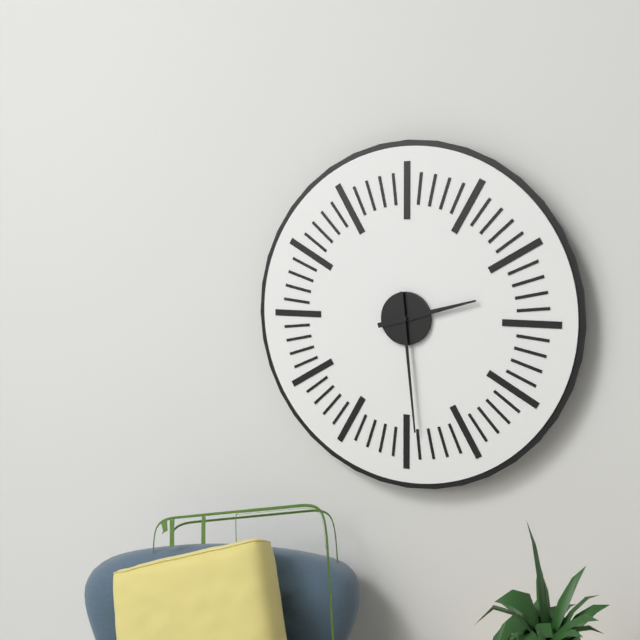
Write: 2:29
